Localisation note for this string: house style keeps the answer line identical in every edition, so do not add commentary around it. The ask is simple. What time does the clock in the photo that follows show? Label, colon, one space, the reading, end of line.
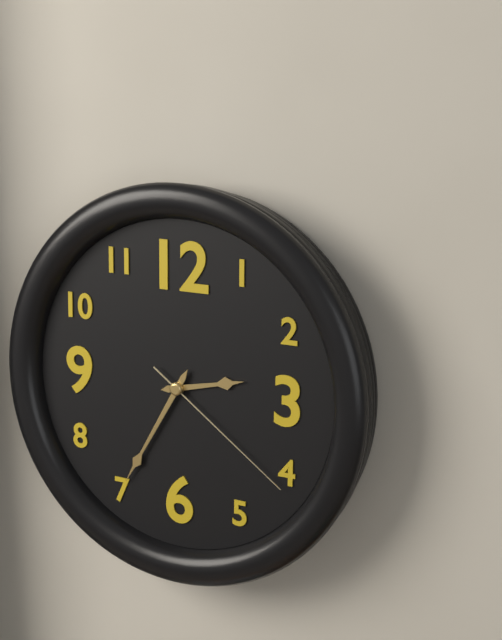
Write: 2:35:21
